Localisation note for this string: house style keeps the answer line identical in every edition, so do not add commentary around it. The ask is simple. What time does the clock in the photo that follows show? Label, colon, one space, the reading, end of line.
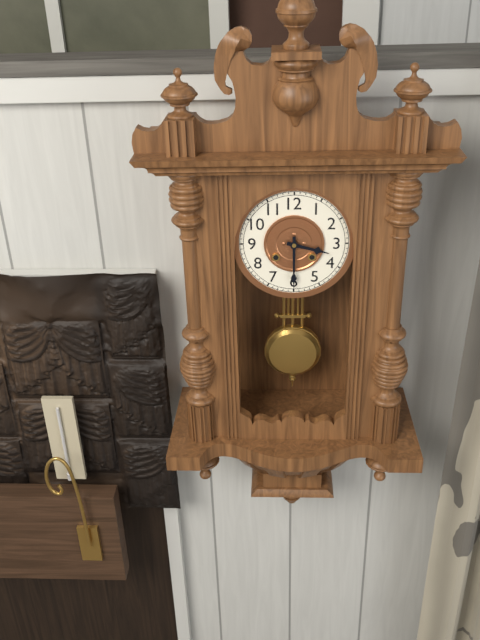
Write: 3:30
